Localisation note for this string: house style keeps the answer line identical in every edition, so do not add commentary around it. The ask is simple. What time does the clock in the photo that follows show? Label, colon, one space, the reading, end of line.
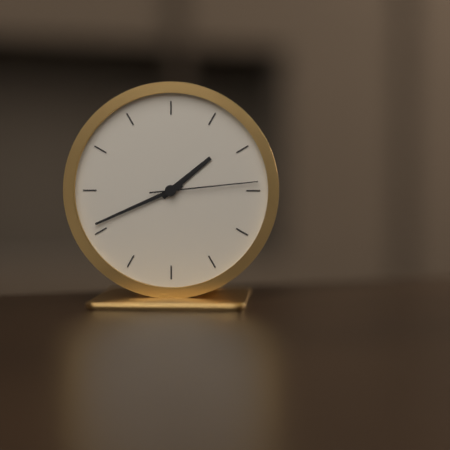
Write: 1:41:14
